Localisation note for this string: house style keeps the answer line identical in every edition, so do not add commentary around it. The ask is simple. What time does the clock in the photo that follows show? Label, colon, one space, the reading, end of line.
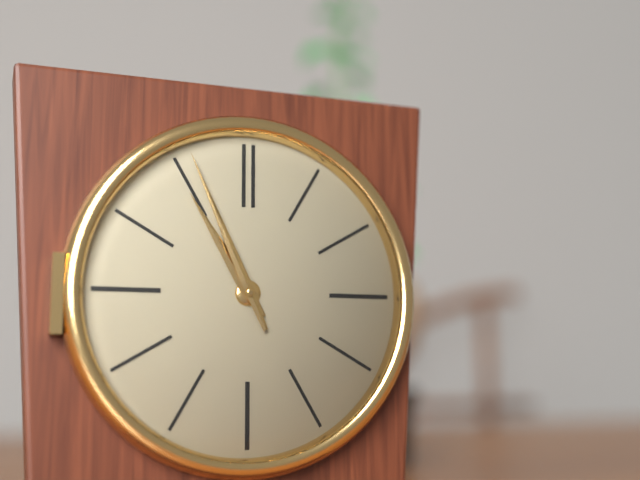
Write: 10:56
